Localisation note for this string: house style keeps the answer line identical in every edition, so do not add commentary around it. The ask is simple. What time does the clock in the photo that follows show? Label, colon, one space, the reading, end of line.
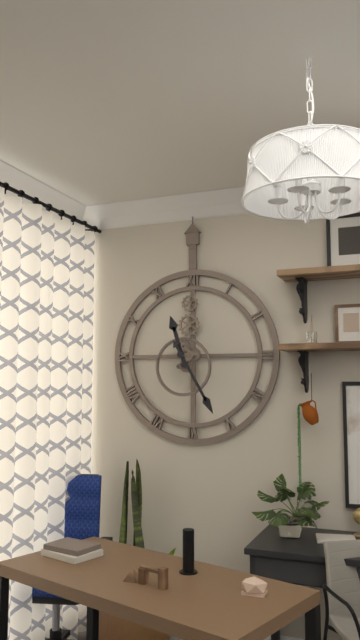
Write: 11:25
